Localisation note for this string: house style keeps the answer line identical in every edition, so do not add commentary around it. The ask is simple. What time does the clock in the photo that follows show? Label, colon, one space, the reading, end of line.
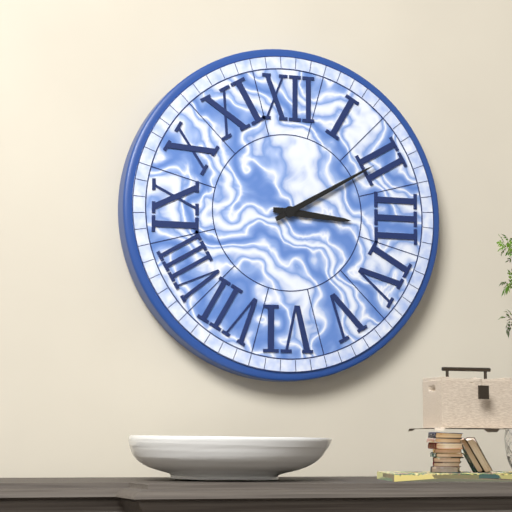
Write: 3:10
